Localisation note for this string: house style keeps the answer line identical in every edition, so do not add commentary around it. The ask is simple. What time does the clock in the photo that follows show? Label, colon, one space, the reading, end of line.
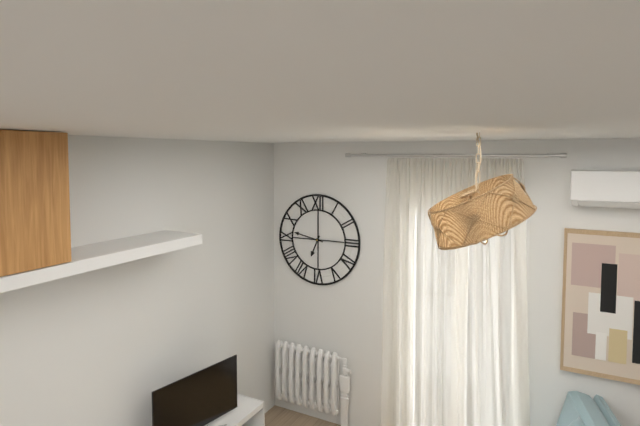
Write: 6:47
